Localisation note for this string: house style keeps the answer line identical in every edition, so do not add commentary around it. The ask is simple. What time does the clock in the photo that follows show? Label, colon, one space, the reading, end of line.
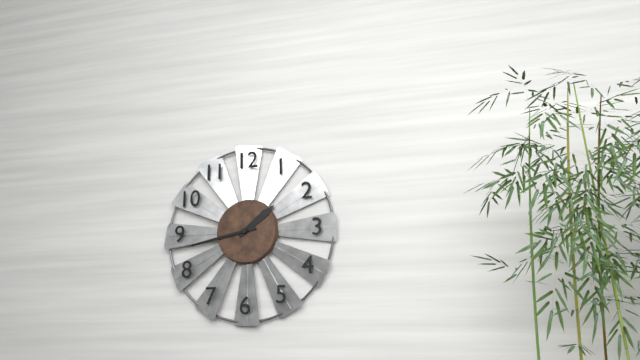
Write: 1:43
